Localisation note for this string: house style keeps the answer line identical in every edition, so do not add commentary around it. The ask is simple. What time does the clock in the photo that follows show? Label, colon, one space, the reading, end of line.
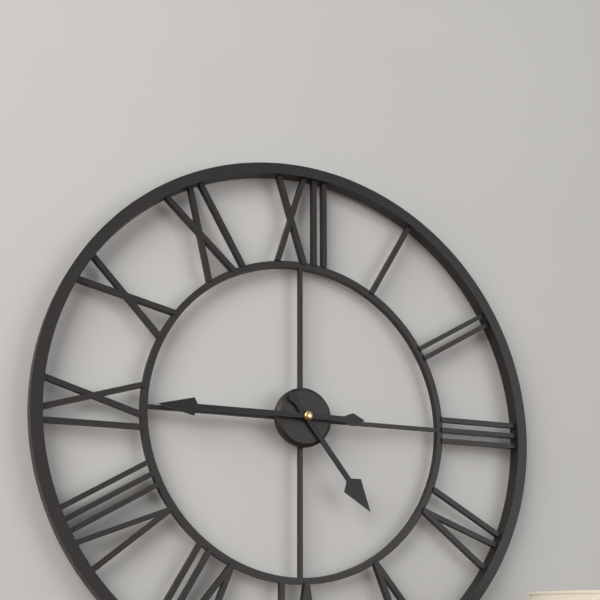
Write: 4:45
